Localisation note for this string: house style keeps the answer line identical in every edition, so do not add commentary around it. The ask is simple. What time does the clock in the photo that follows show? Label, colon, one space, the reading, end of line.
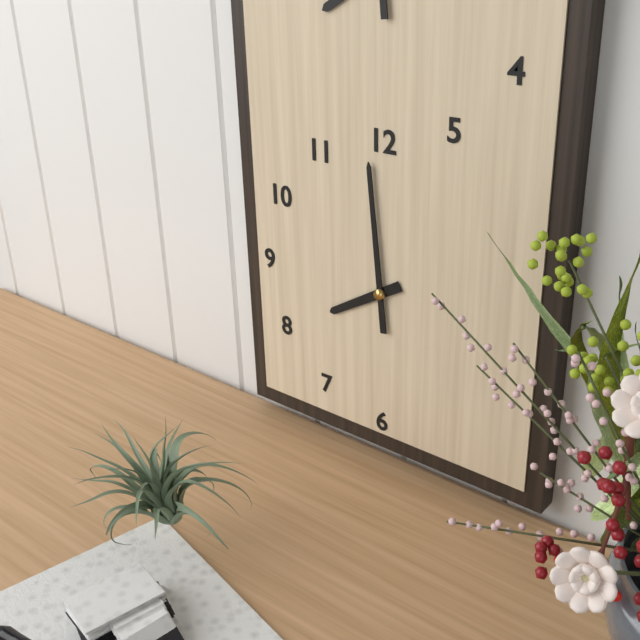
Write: 7:59
